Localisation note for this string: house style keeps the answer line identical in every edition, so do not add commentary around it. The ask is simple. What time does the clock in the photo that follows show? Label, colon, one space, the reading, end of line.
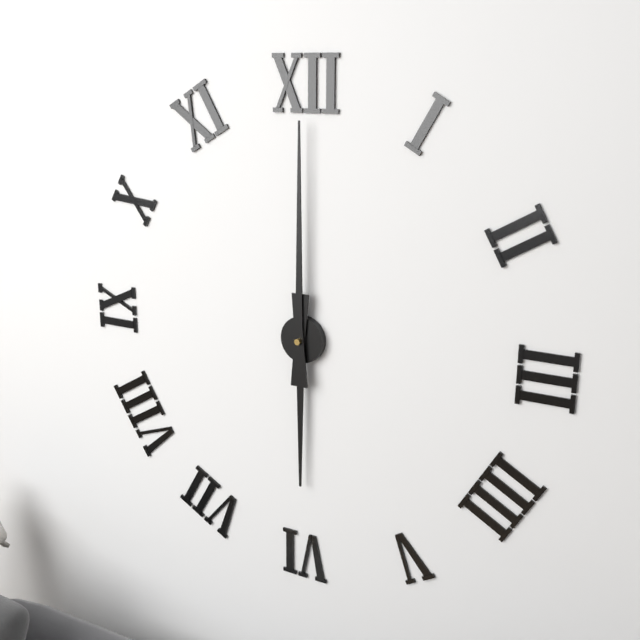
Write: 6:00
